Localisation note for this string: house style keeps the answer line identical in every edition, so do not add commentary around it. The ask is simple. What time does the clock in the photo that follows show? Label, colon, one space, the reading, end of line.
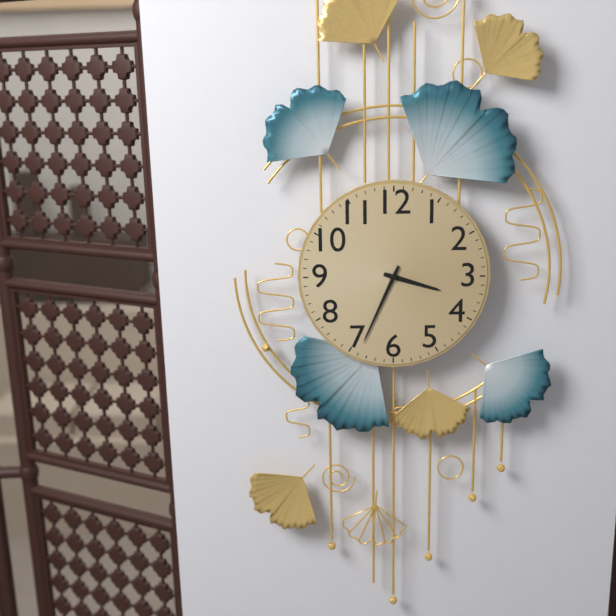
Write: 3:34
